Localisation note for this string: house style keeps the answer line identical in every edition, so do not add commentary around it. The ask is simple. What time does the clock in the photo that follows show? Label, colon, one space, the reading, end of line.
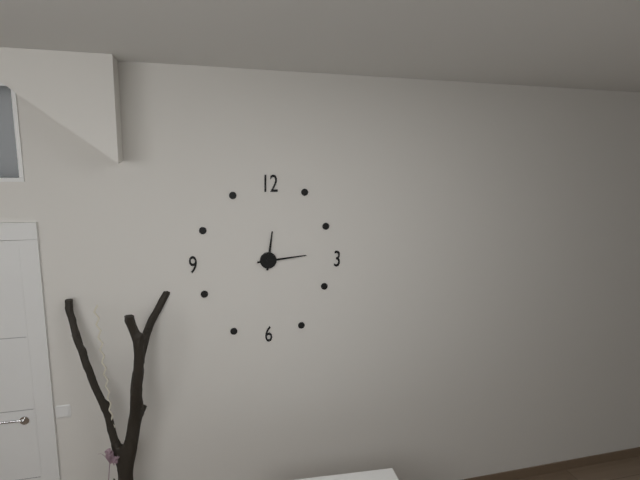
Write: 12:14
